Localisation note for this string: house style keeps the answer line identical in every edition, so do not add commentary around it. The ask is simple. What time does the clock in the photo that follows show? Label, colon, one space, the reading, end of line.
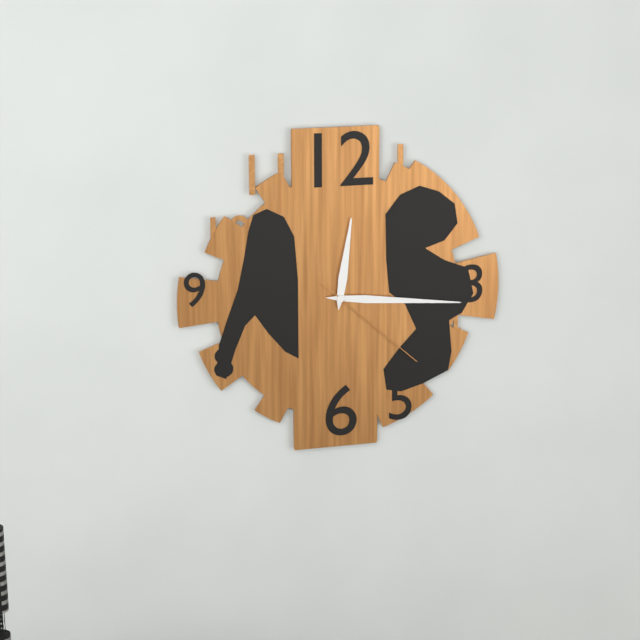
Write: 12:16:22
